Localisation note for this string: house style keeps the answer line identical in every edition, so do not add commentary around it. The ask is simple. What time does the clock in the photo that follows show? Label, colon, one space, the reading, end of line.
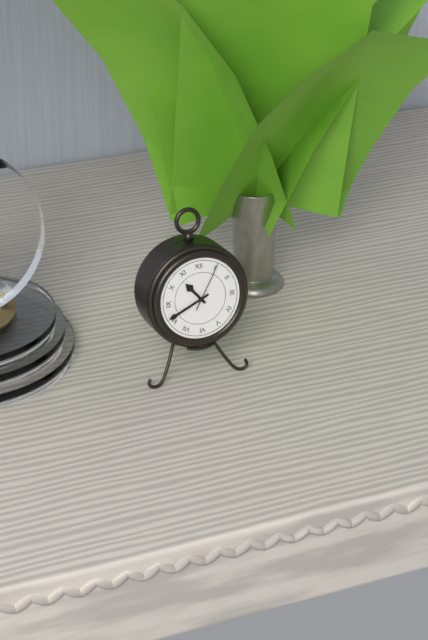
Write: 10:41
